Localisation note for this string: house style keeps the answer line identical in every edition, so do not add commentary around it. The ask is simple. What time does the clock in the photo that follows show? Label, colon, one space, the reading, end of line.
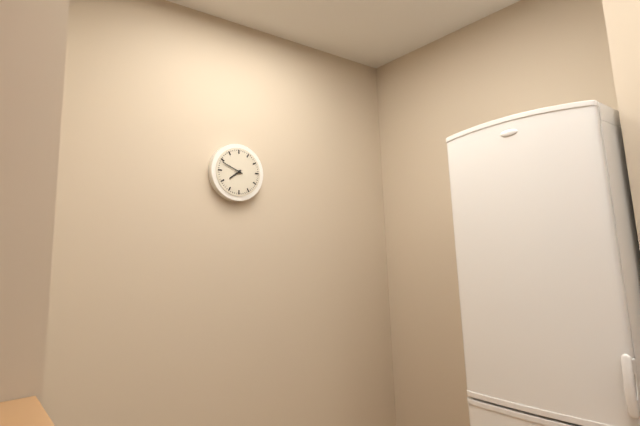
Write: 7:49
